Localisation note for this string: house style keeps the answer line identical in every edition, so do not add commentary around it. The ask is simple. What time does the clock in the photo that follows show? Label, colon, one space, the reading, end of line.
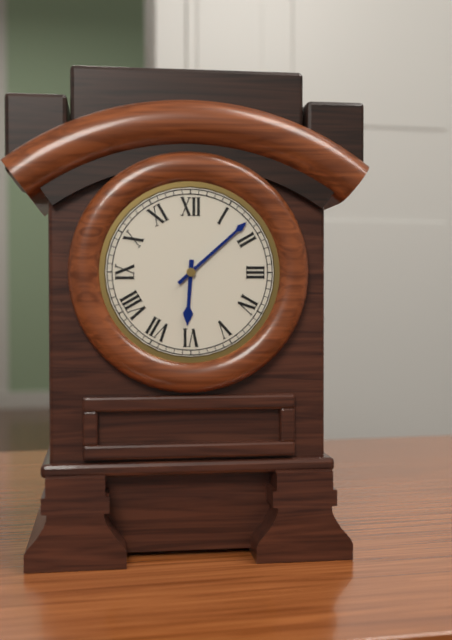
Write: 6:08
